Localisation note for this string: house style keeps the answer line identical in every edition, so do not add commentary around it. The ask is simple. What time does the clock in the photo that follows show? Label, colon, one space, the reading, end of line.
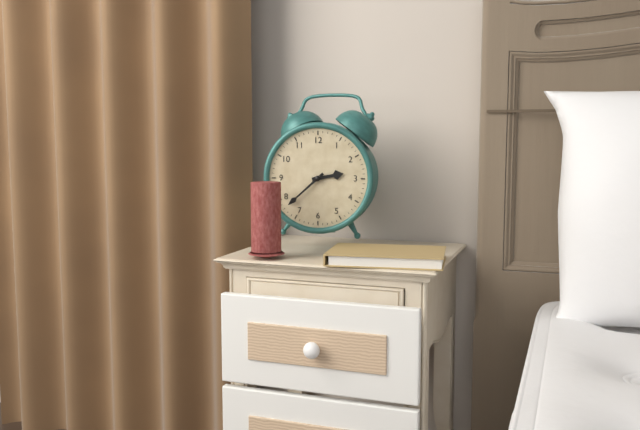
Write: 2:38
